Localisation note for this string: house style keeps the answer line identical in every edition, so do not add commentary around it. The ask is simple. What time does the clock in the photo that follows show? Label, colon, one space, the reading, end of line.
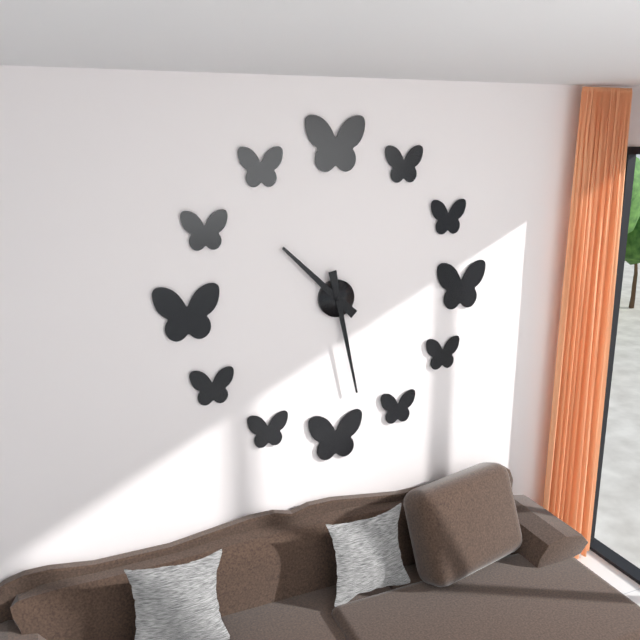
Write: 10:28
